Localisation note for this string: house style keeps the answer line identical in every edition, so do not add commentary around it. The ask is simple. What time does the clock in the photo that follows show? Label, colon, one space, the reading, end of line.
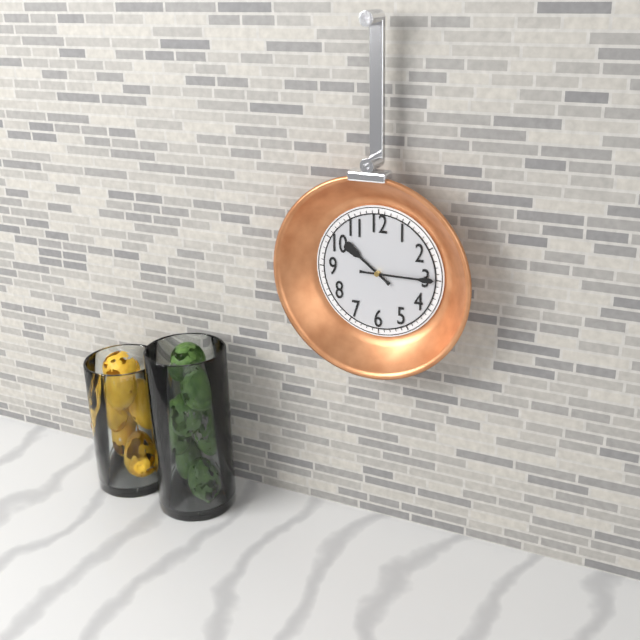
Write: 10:15
